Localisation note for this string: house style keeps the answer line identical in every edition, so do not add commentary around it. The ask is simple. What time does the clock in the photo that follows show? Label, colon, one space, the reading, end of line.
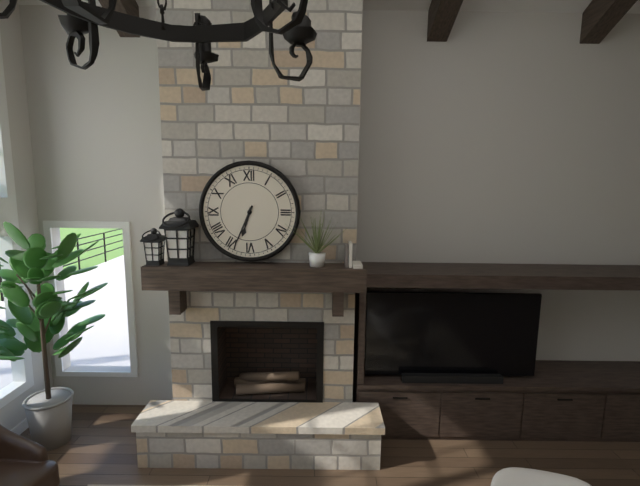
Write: 6:34
